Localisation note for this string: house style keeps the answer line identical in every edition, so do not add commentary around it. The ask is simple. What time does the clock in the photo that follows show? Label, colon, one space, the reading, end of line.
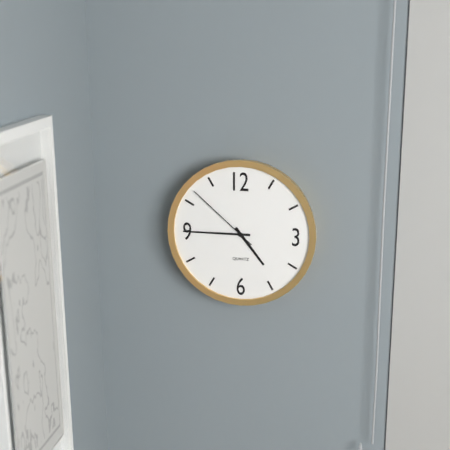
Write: 4:45:52
